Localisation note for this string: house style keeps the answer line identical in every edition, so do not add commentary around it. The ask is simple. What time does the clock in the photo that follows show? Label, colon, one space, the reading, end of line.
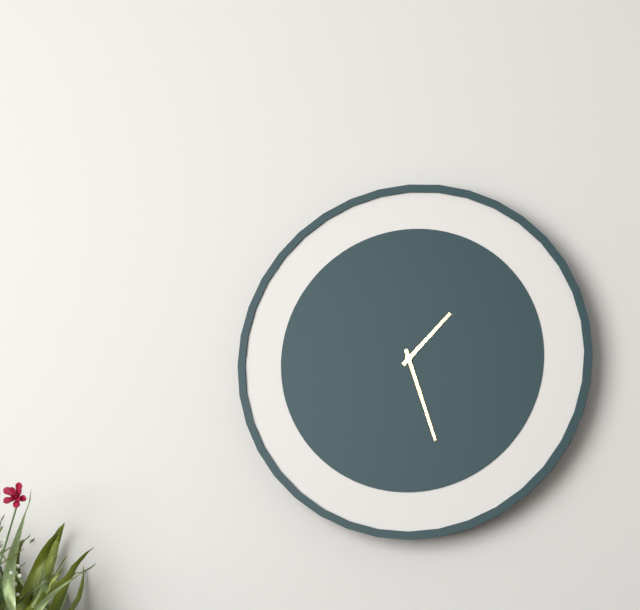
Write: 1:27
